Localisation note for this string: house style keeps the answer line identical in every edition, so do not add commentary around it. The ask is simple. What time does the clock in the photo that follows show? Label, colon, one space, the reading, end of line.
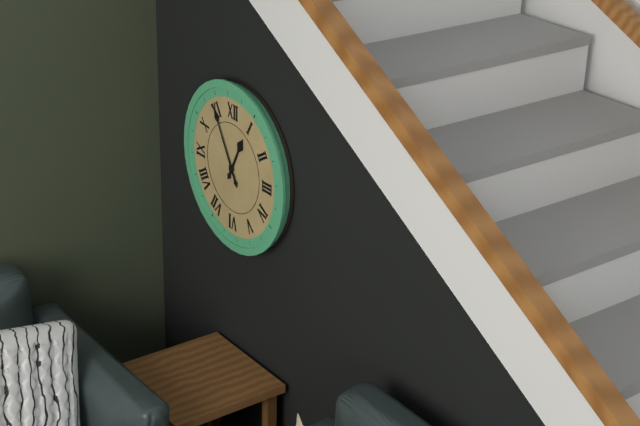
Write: 12:55
